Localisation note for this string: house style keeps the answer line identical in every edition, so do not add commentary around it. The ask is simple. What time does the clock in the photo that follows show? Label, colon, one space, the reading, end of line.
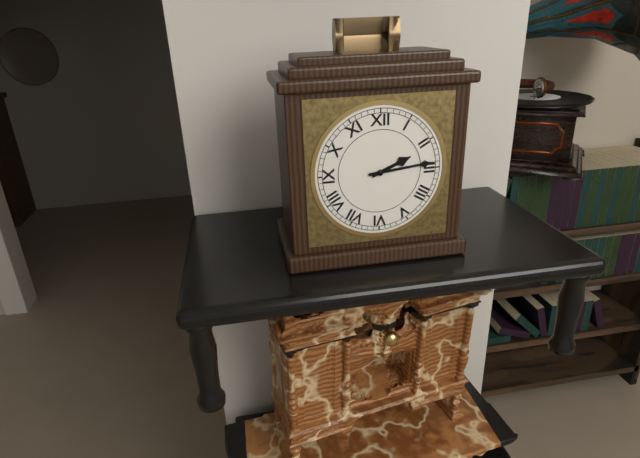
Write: 2:14
